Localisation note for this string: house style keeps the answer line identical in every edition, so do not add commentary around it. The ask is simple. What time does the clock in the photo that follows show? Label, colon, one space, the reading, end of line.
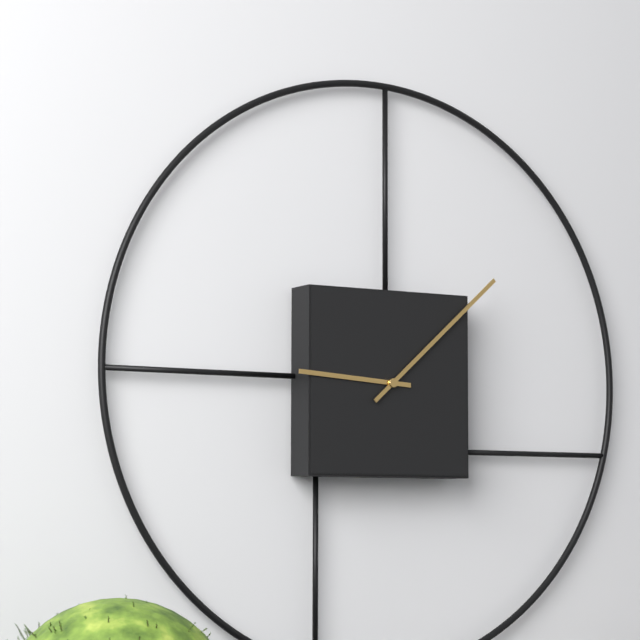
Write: 9:08
